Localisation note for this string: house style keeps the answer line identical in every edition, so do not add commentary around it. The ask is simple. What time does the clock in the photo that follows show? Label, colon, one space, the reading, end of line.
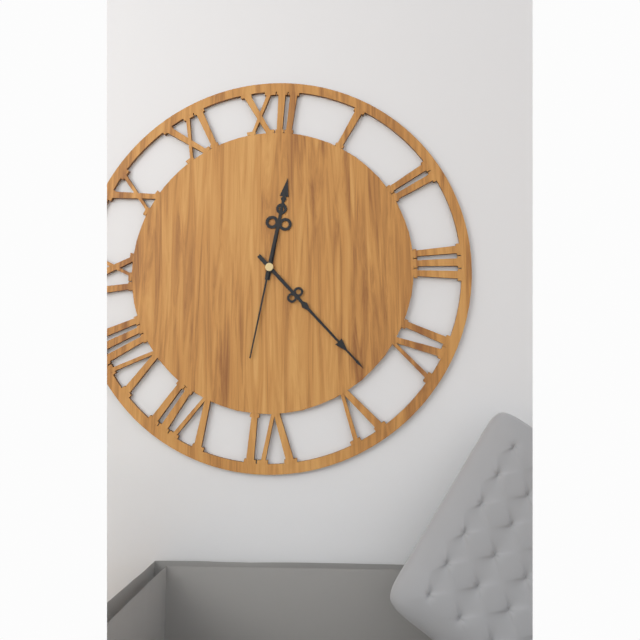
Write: 12:23:32
